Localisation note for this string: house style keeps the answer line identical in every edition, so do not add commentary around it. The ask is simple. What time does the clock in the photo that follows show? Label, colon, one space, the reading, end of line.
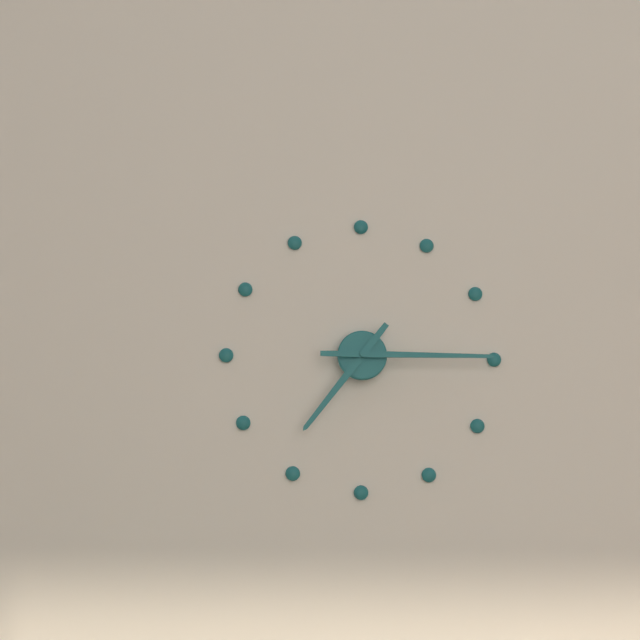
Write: 7:15
